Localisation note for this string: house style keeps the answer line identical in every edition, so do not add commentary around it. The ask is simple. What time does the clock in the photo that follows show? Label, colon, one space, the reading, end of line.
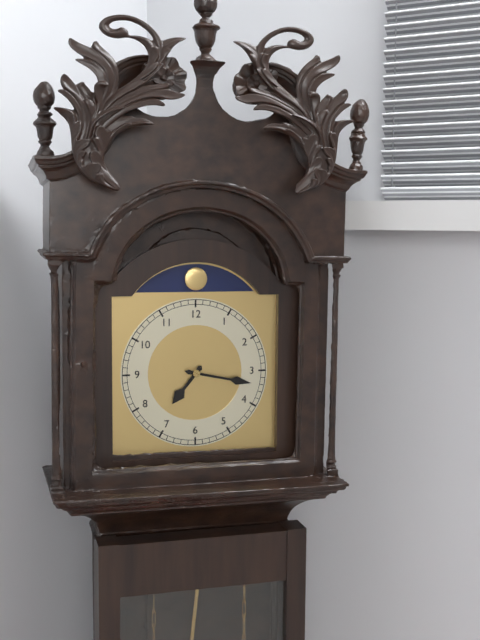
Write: 7:17
